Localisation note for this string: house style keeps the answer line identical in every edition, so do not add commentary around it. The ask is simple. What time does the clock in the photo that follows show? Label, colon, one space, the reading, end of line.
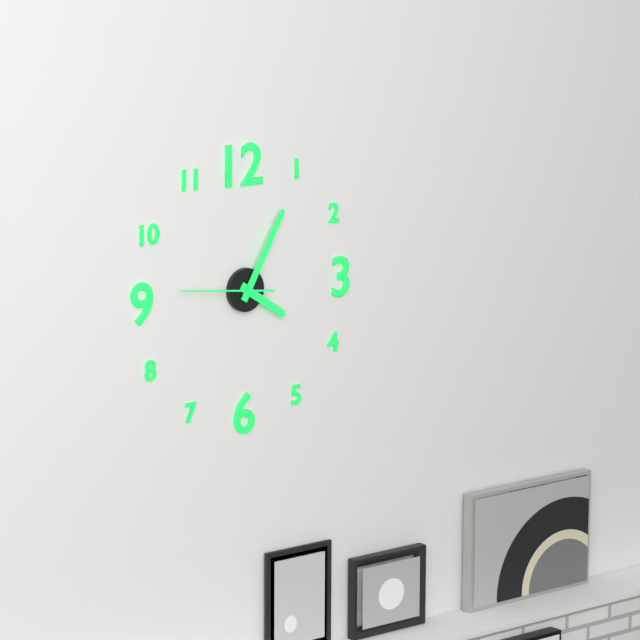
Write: 4:05:46
